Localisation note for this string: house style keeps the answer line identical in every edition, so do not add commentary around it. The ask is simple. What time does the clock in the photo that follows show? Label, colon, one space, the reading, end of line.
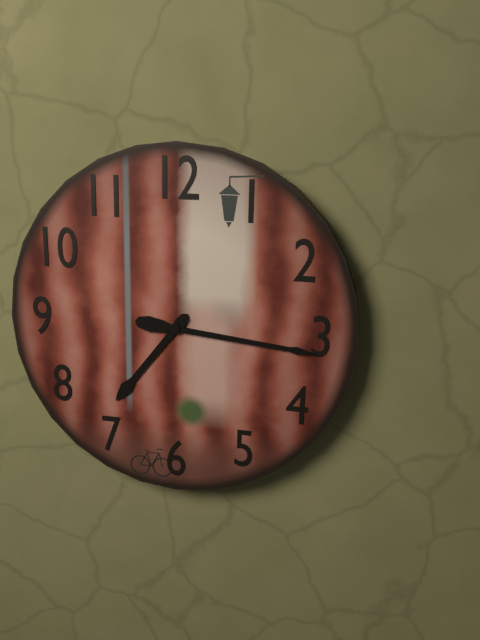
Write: 7:16
